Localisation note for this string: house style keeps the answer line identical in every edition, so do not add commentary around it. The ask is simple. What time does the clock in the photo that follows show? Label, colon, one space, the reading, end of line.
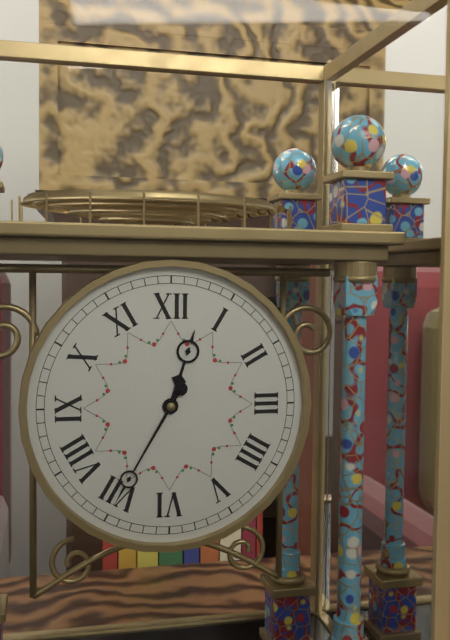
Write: 12:35
